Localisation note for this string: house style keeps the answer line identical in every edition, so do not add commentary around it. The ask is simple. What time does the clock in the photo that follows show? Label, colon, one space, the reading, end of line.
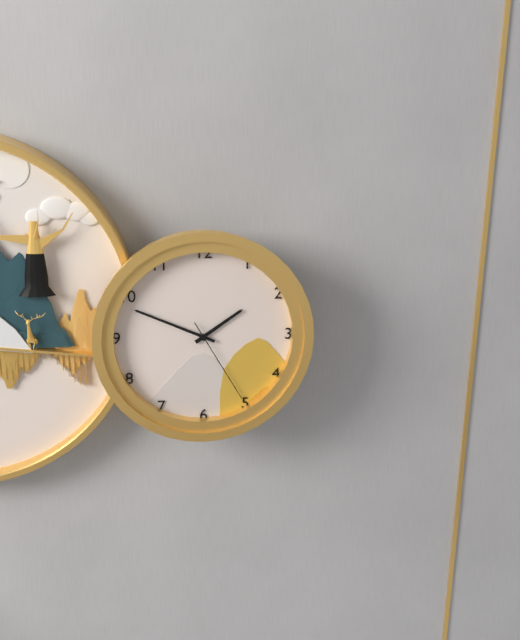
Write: 1:49:25
